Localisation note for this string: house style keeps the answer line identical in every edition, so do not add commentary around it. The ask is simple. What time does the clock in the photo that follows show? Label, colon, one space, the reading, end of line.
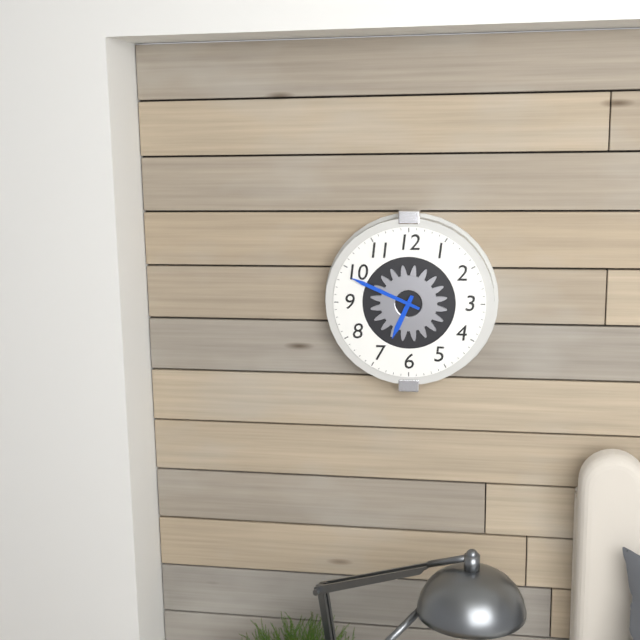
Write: 6:49
